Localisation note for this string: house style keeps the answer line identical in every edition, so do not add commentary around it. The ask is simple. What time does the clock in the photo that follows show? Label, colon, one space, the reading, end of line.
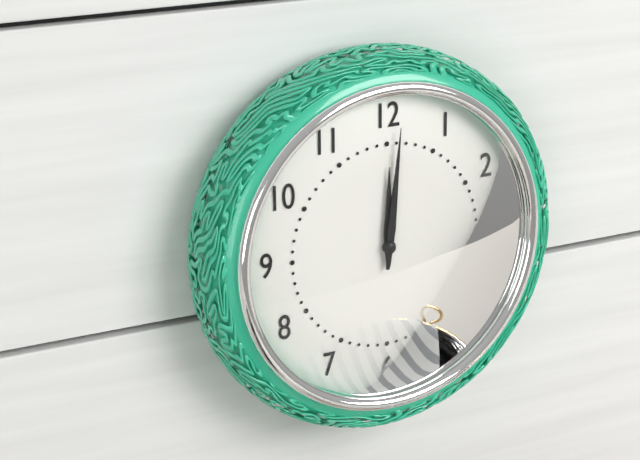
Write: 12:01
